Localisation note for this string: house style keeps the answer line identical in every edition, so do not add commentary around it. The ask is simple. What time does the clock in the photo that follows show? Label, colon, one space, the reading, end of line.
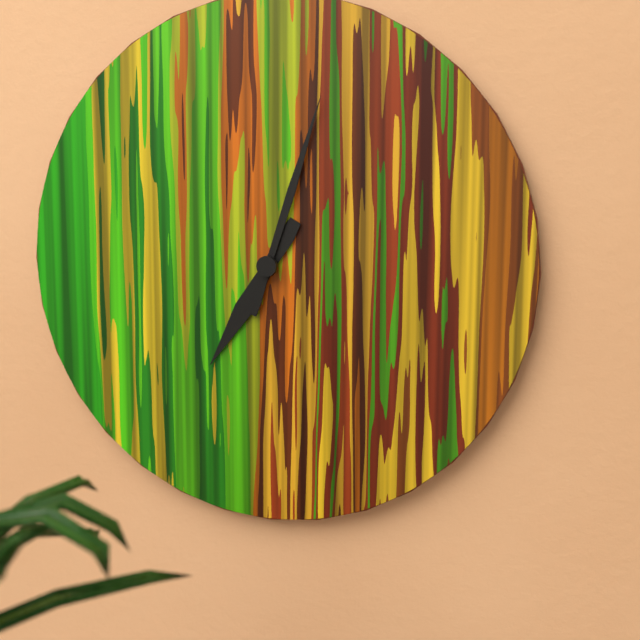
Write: 7:03
